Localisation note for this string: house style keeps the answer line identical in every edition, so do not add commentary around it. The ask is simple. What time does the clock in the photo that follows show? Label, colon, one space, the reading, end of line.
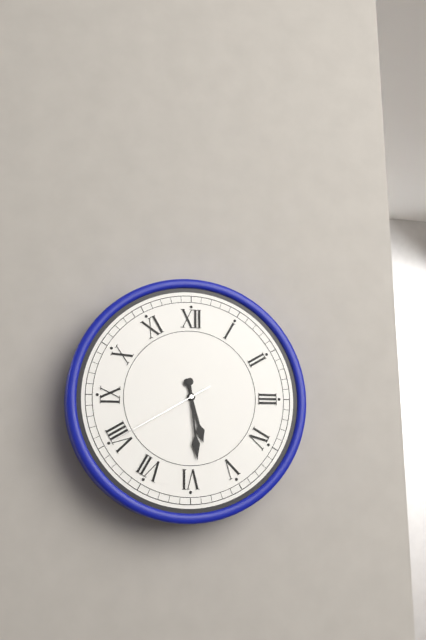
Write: 5:29:40
